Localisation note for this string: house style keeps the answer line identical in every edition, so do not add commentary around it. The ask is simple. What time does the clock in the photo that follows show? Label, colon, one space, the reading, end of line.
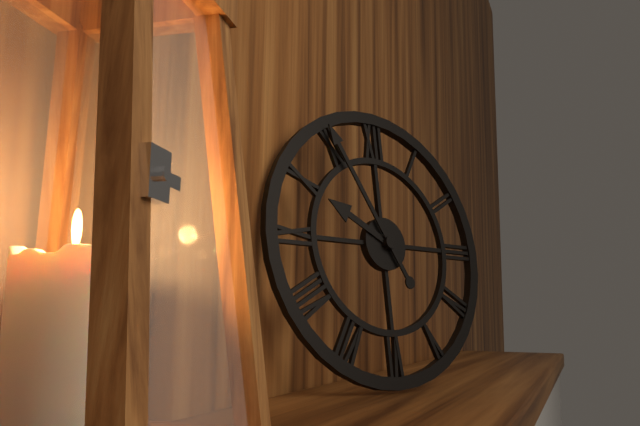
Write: 9:55
